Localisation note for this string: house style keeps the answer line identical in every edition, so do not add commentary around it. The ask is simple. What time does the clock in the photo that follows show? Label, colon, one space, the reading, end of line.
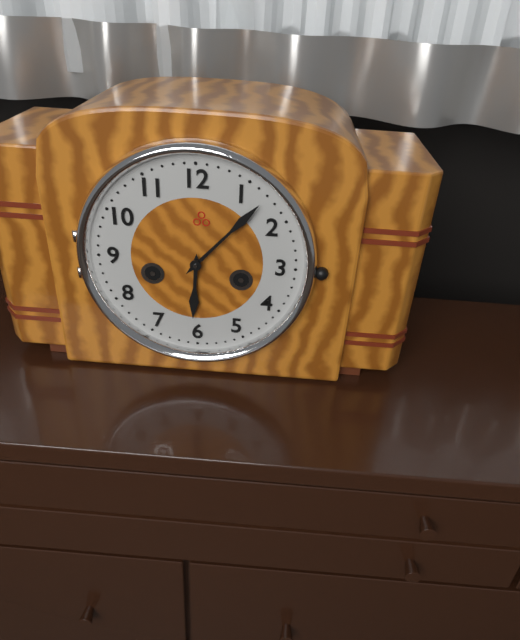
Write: 6:07
